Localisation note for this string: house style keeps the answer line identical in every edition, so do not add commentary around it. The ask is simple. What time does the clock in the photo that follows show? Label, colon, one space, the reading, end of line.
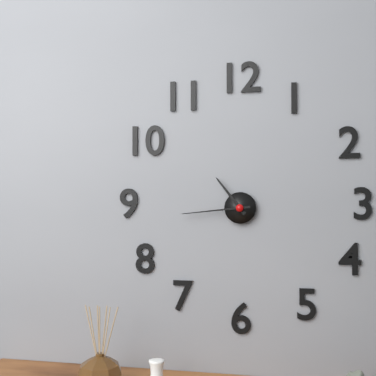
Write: 10:44
